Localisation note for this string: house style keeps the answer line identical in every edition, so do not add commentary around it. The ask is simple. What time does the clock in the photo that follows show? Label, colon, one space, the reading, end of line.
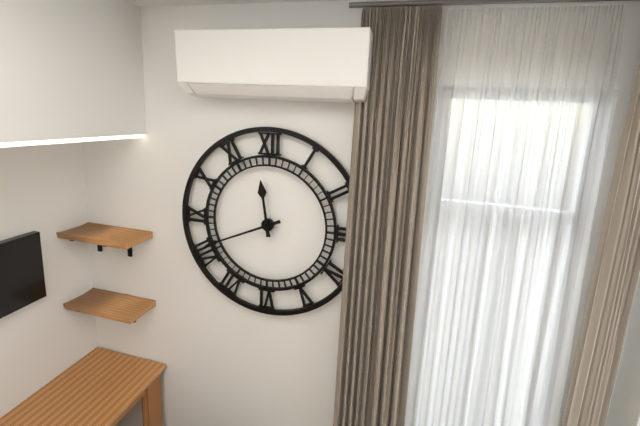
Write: 11:41
